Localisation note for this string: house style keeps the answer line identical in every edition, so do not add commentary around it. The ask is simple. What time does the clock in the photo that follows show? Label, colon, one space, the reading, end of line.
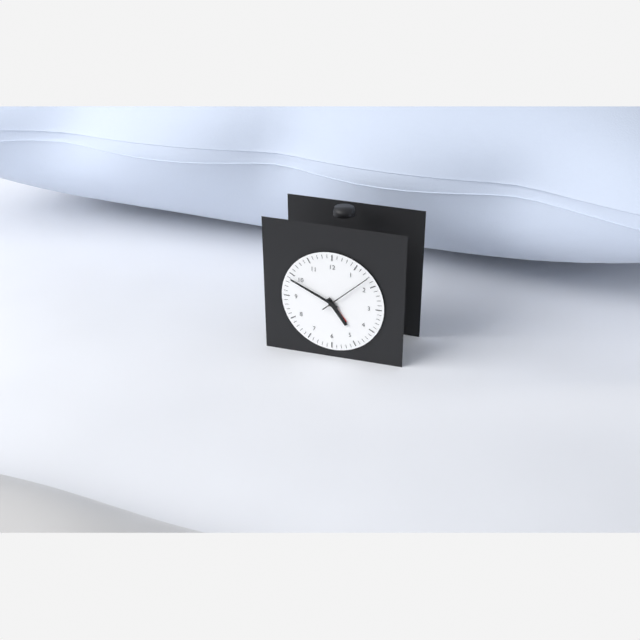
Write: 4:49:08
